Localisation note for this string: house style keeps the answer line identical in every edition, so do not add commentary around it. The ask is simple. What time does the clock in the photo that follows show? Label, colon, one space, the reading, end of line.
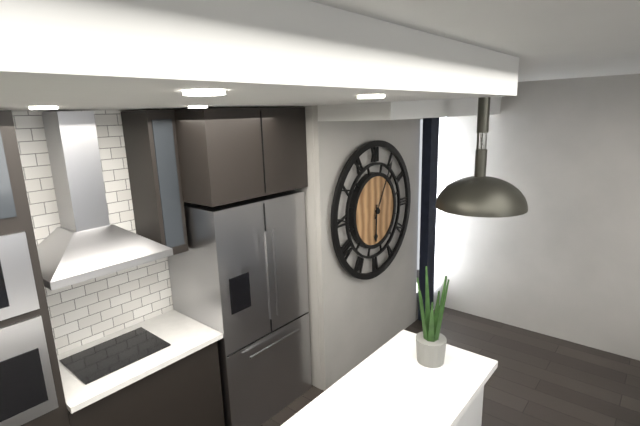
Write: 6:05
